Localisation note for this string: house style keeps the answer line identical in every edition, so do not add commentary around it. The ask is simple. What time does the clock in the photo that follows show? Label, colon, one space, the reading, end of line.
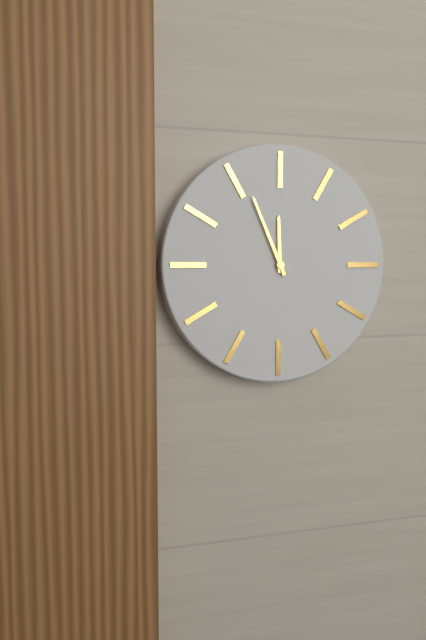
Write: 11:56
